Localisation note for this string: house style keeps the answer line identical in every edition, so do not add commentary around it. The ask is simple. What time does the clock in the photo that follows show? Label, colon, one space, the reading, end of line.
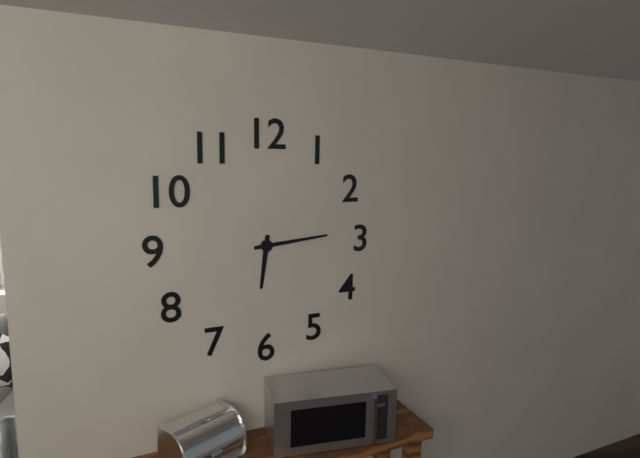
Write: 6:14
